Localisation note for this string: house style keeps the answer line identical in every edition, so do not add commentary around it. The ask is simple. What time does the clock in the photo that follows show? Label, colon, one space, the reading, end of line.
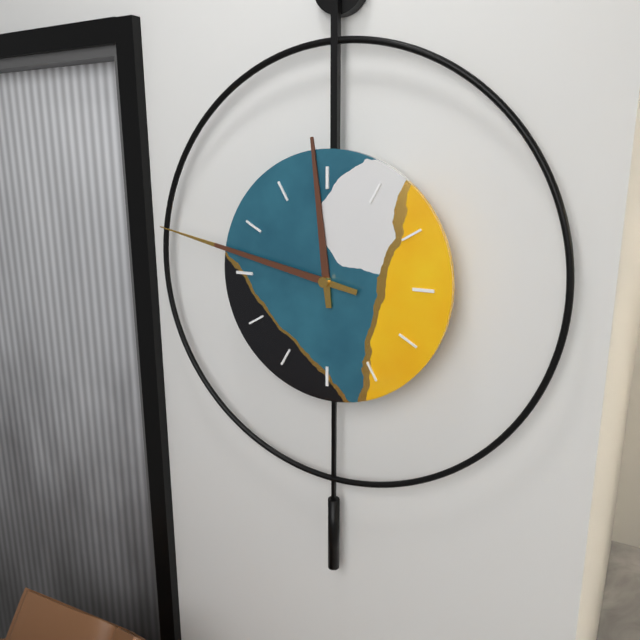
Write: 11:47
